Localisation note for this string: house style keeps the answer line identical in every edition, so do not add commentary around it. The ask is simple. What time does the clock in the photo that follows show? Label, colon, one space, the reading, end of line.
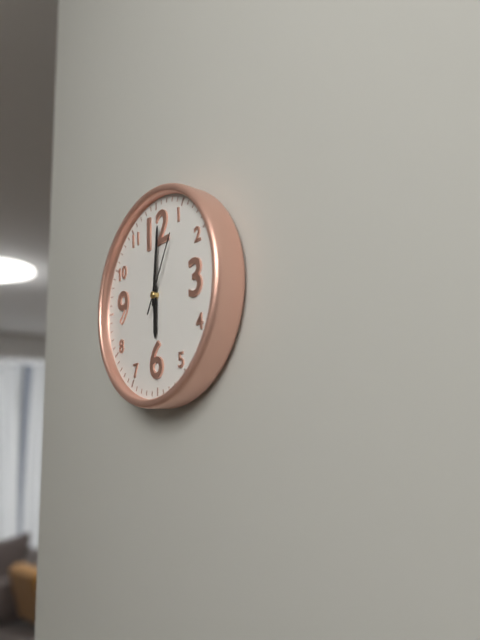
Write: 6:01:05
